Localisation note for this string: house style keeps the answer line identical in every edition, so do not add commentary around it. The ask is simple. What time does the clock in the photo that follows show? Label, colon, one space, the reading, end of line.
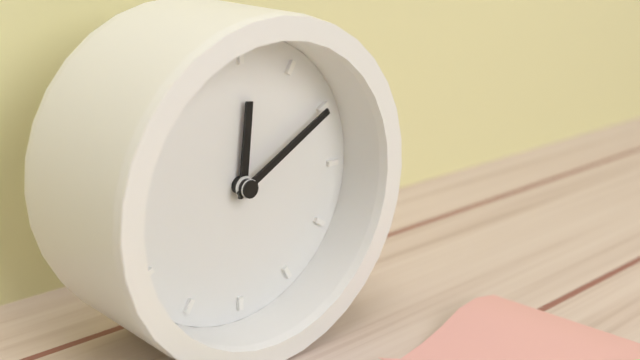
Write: 12:10
